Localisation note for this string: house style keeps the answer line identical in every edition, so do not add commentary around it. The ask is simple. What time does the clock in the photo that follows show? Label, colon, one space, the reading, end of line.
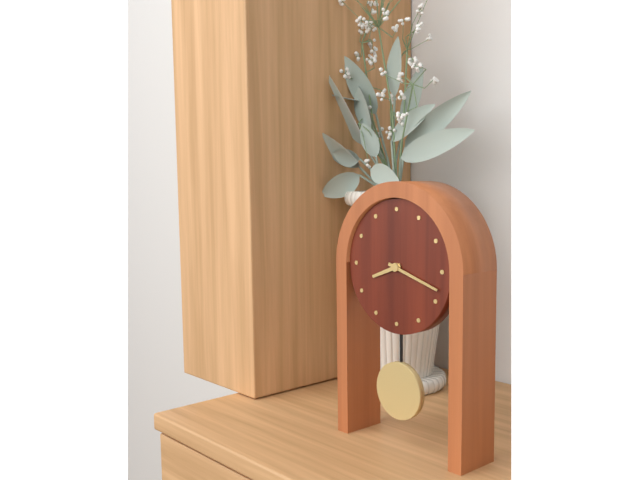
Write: 8:18
